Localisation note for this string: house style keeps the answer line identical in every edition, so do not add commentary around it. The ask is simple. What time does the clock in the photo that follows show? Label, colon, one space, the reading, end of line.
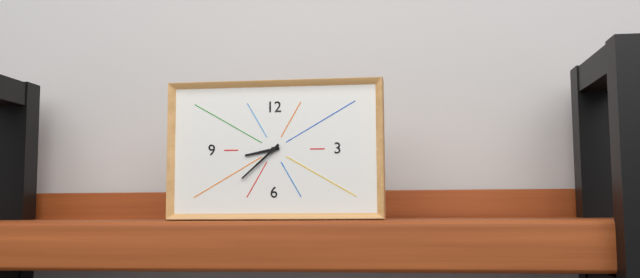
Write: 8:38
